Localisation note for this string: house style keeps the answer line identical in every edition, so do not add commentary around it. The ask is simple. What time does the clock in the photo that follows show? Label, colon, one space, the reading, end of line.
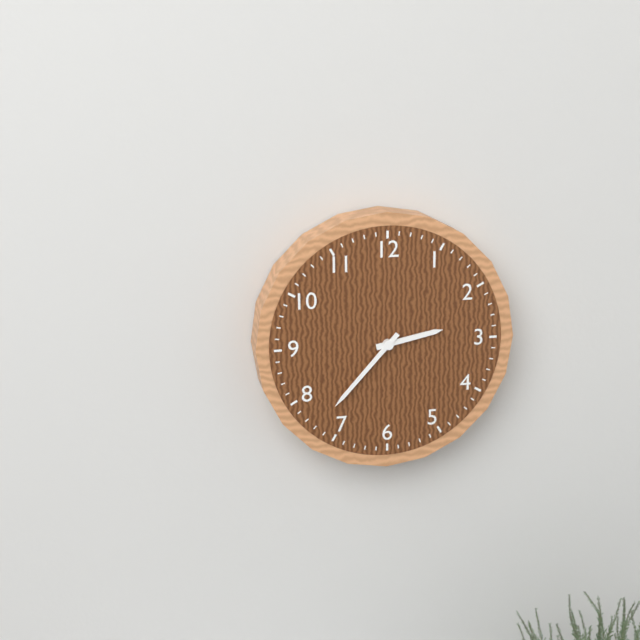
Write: 2:37
